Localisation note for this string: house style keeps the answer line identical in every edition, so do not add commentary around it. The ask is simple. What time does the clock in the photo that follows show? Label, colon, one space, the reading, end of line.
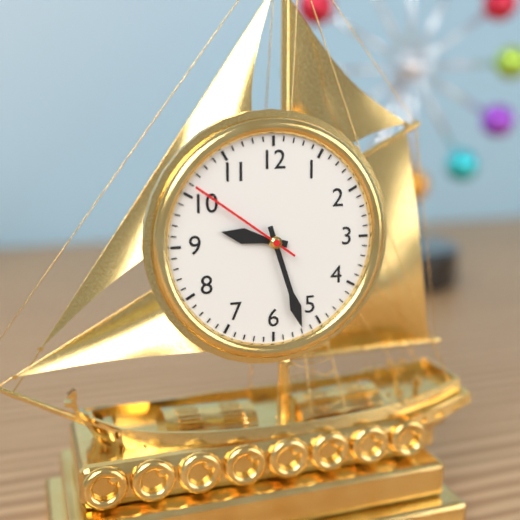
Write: 9:27:51
